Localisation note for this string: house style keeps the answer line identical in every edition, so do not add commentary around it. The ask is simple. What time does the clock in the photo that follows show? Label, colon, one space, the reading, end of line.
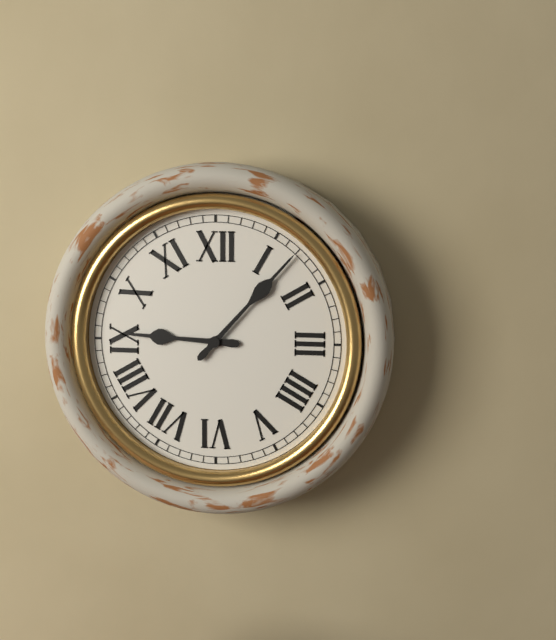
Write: 9:07
